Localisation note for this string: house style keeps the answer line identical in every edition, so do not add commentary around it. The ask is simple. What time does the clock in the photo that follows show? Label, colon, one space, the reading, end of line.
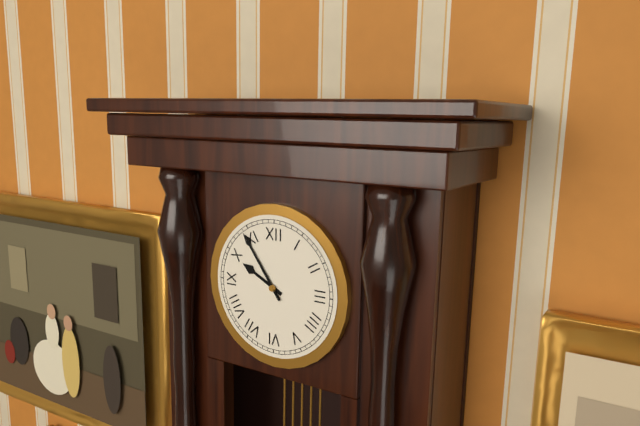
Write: 9:54
